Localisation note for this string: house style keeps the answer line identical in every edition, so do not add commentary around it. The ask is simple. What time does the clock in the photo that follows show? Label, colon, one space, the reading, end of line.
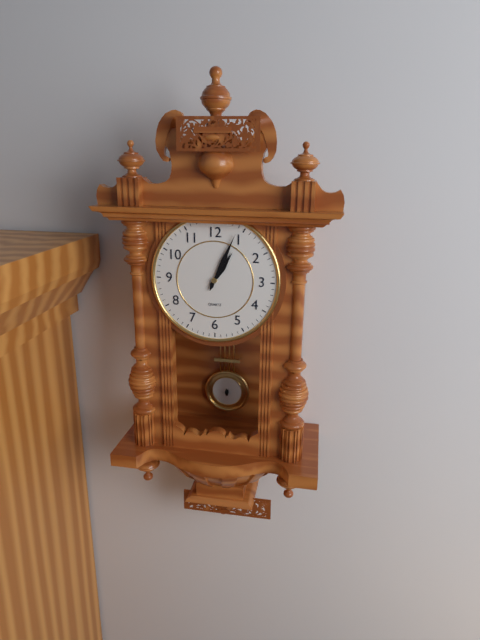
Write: 1:04
